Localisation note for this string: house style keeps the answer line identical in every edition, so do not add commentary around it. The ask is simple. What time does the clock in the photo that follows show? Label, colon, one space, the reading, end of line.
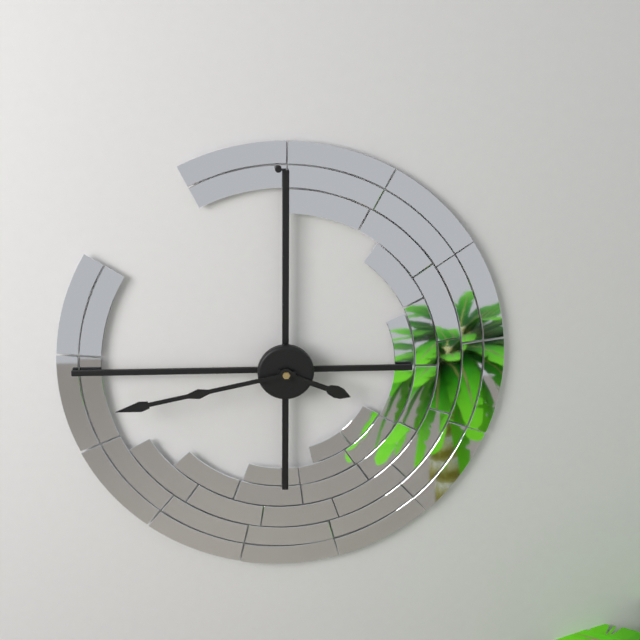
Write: 3:43
